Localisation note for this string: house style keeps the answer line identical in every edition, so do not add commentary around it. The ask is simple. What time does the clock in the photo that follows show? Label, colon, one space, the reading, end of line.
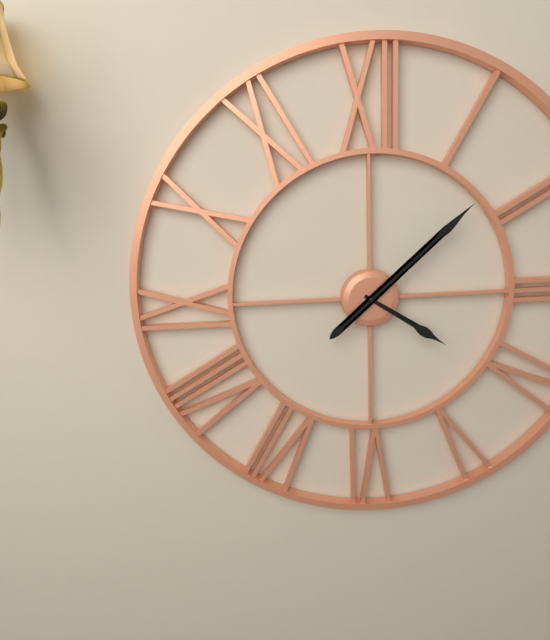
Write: 4:08
